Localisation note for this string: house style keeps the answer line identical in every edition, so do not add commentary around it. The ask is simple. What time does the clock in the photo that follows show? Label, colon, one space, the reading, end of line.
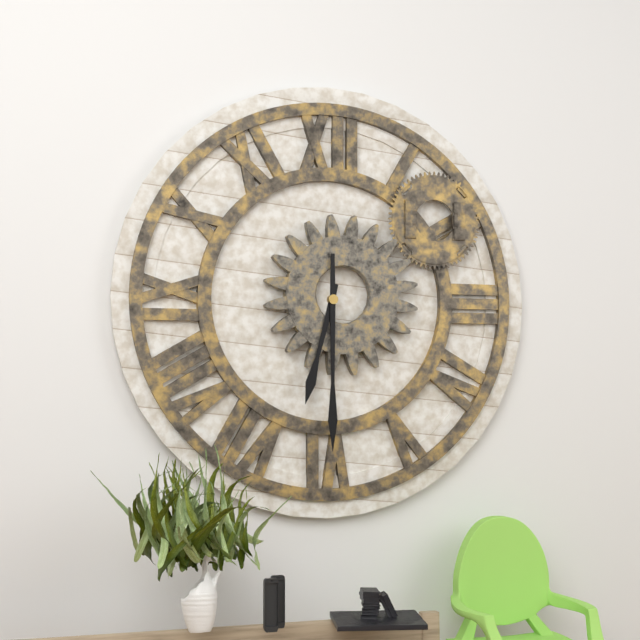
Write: 6:30
